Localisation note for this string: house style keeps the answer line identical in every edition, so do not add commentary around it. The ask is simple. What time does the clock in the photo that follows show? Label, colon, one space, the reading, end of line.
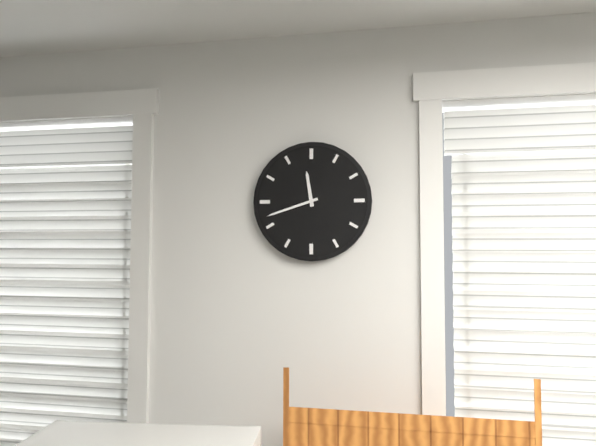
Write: 11:42
